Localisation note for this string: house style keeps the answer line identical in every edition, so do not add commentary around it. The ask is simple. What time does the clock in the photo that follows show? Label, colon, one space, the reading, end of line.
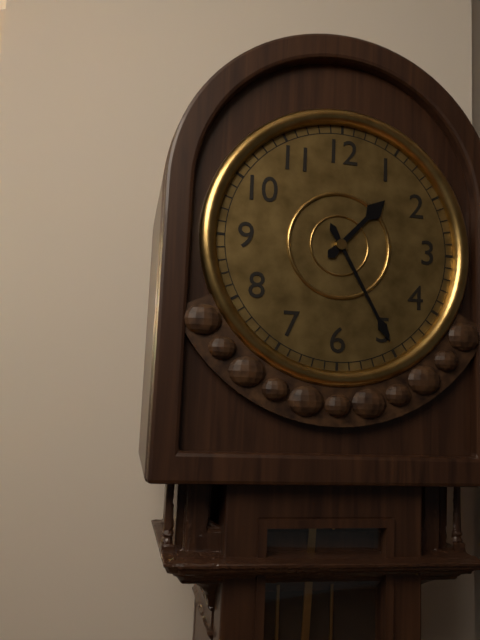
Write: 1:25
